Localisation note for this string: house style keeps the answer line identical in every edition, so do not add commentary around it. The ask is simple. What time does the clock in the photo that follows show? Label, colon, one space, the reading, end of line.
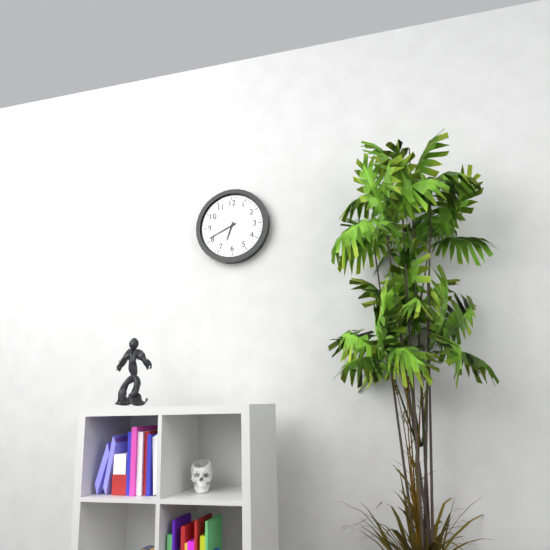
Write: 6:41
